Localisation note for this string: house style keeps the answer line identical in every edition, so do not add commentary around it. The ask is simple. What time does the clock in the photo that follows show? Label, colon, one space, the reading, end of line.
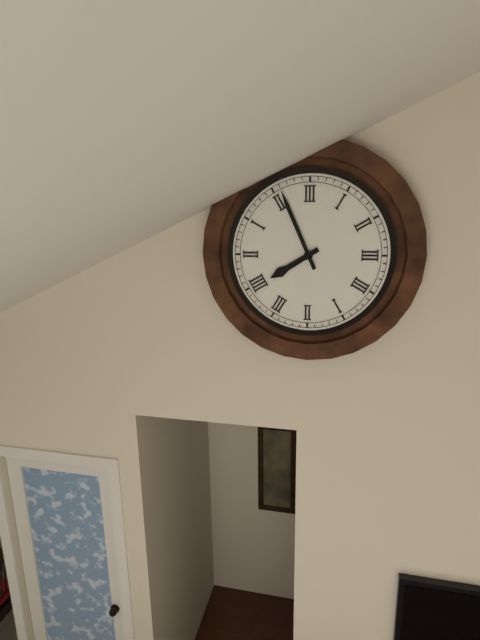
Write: 7:56
